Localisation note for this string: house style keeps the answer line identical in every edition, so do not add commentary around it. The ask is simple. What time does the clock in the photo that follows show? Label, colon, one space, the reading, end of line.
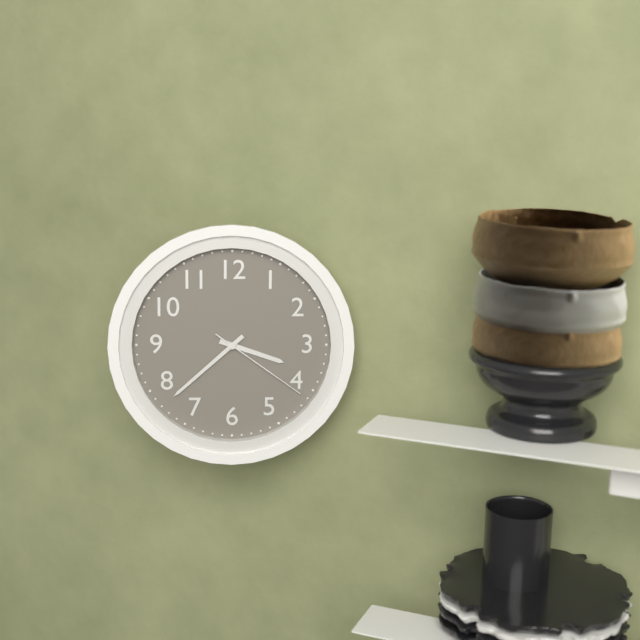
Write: 3:38:21
